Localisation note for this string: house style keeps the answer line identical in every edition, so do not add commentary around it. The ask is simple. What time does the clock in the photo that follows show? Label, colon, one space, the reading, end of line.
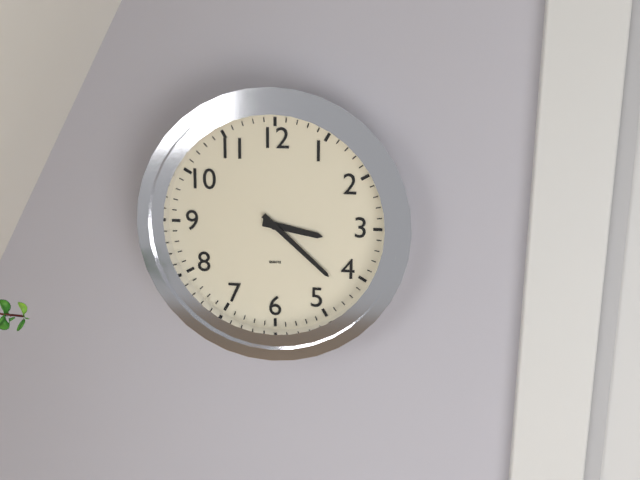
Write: 3:22
